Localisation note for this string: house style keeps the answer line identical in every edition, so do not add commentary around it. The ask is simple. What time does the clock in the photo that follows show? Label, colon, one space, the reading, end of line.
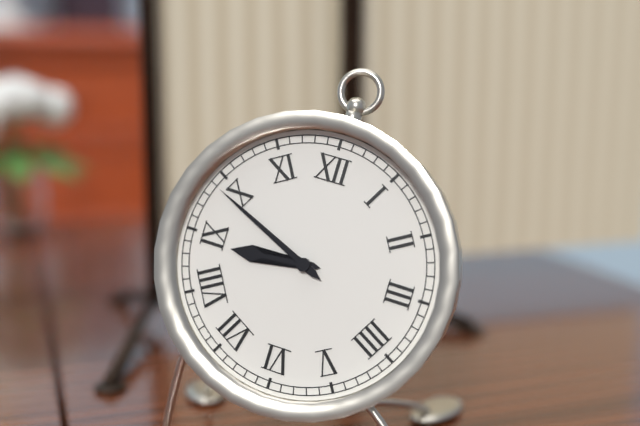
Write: 8:49
